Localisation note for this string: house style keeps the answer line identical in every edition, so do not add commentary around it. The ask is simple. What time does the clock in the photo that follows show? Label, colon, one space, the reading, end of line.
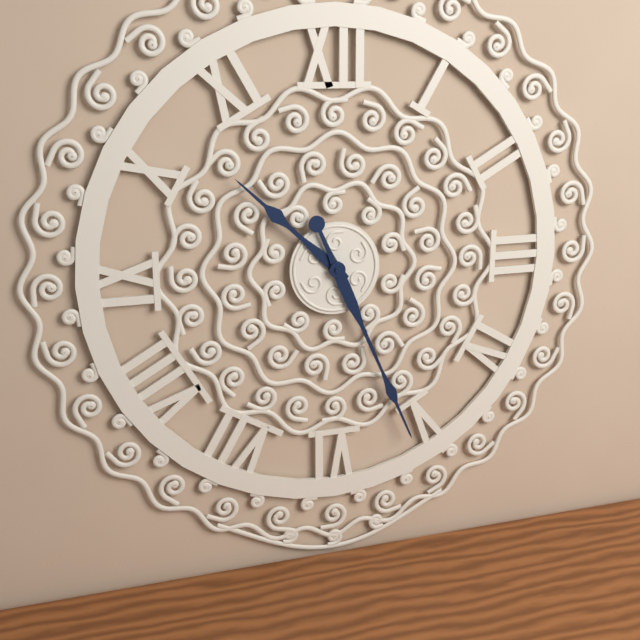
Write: 10:26
